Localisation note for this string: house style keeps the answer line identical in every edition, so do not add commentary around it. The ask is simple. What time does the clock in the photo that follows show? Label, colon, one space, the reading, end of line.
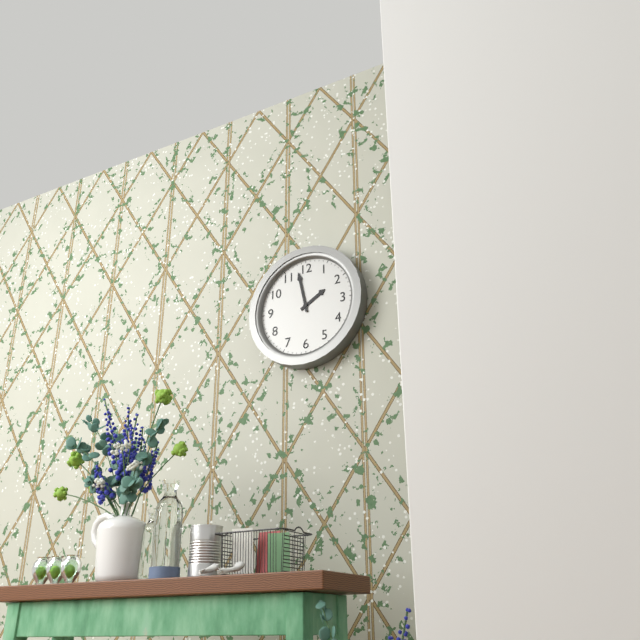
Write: 1:58
